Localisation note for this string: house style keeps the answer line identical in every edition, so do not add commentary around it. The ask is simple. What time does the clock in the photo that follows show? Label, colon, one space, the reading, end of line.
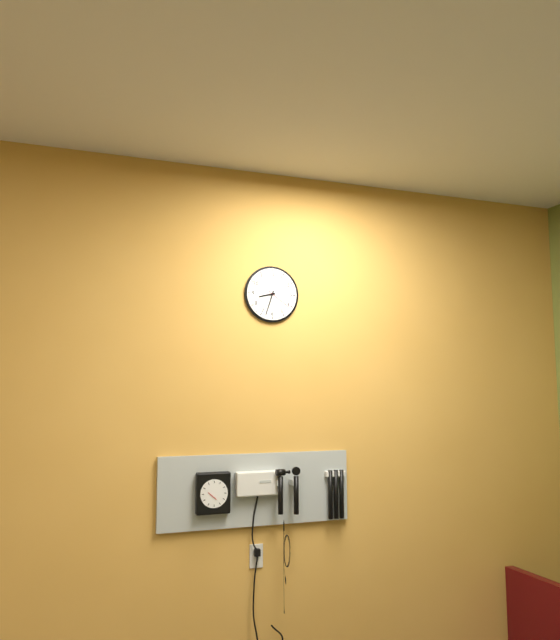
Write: 8:33
